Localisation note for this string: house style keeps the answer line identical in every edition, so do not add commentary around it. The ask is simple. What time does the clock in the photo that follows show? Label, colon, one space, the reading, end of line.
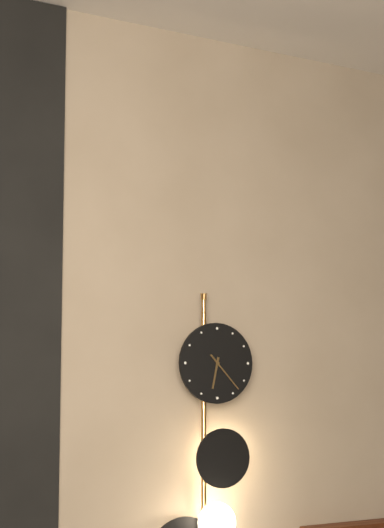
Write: 6:23
